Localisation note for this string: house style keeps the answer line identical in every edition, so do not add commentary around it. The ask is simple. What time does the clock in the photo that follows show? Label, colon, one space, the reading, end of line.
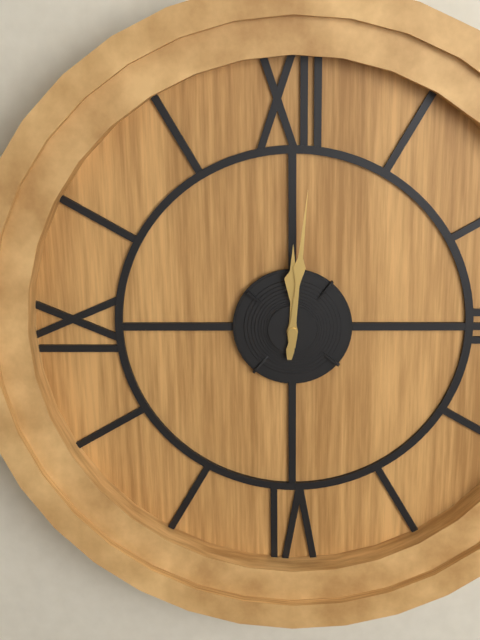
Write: 12:01
